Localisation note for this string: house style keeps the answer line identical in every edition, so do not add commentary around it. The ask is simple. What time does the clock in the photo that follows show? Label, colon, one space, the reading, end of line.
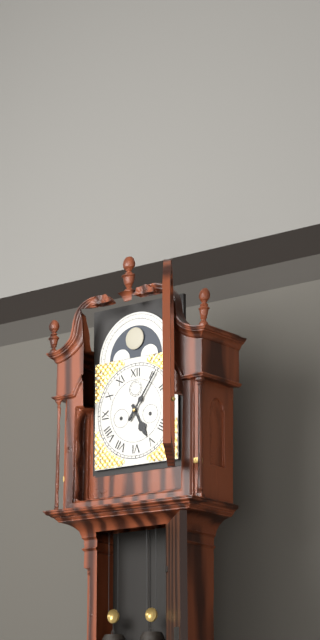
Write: 5:06
